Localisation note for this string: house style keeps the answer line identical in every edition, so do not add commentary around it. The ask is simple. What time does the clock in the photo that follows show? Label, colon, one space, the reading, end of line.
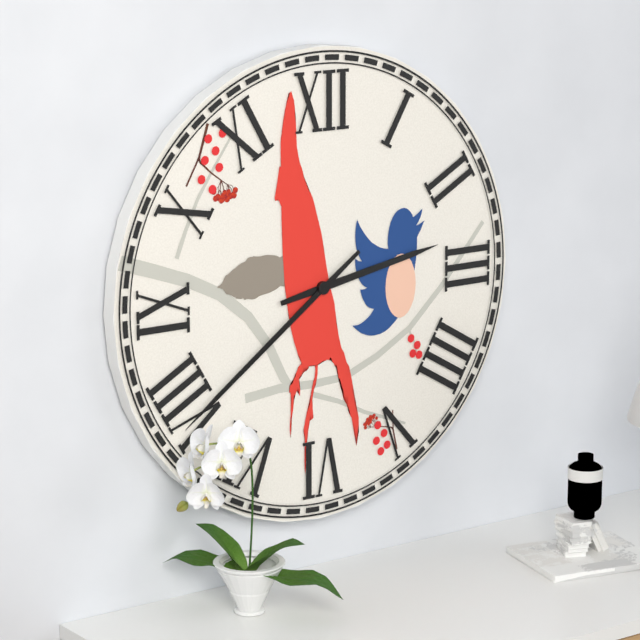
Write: 2:39
